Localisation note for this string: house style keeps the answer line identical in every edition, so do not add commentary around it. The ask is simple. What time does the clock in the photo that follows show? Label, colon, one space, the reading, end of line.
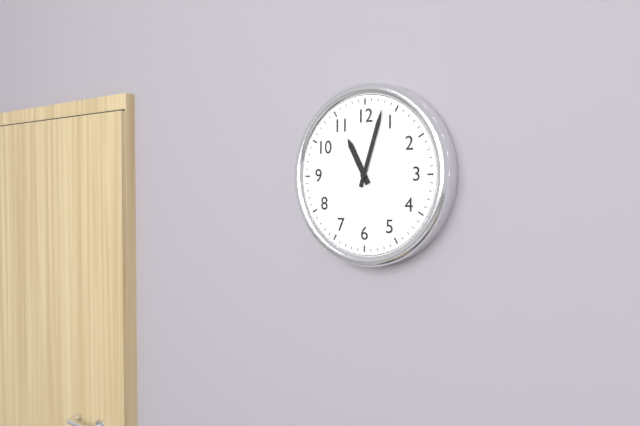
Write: 11:03
